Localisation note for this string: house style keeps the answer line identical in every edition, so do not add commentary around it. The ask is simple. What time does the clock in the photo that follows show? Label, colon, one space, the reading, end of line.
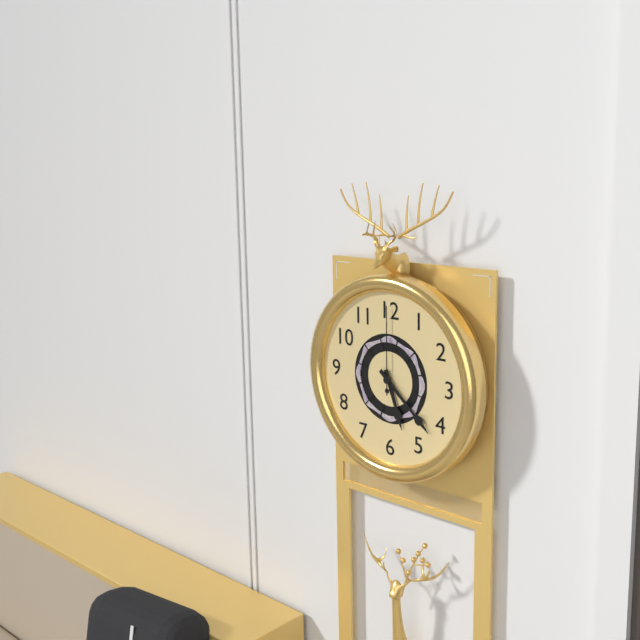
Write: 5:22:00
